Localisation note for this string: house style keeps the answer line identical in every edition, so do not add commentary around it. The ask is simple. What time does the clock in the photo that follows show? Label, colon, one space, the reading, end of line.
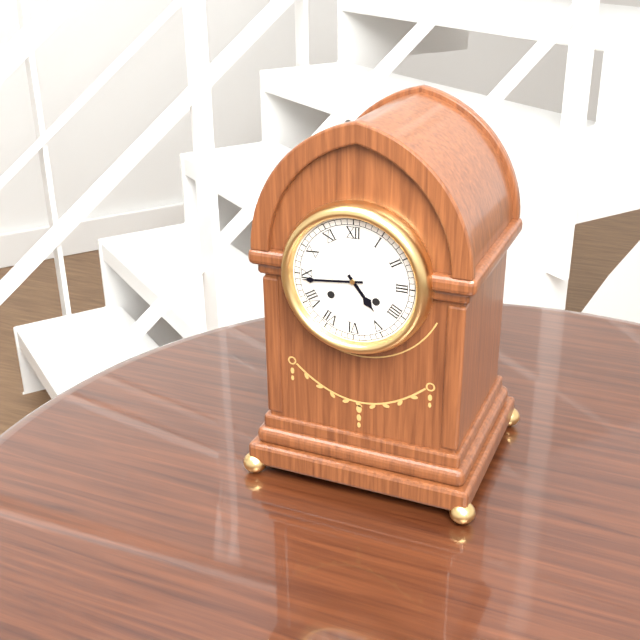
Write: 4:44
